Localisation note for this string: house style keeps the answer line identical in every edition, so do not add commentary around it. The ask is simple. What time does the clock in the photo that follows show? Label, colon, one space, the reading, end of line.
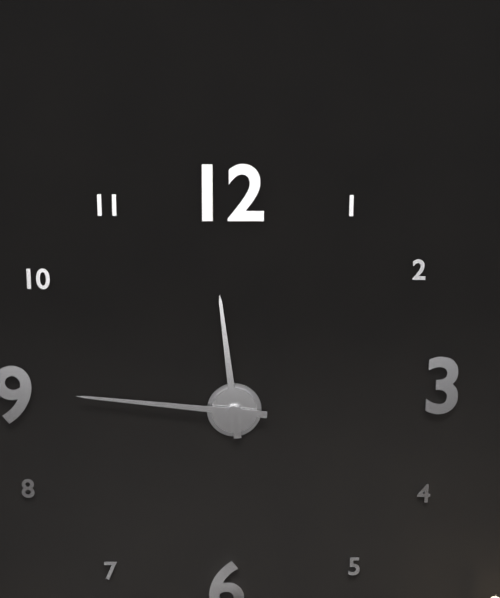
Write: 11:46
